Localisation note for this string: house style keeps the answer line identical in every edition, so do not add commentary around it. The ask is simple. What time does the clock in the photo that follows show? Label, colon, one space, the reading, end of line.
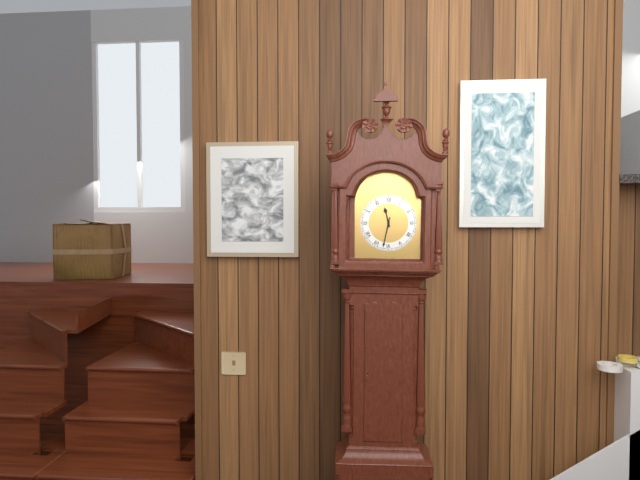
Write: 11:32
